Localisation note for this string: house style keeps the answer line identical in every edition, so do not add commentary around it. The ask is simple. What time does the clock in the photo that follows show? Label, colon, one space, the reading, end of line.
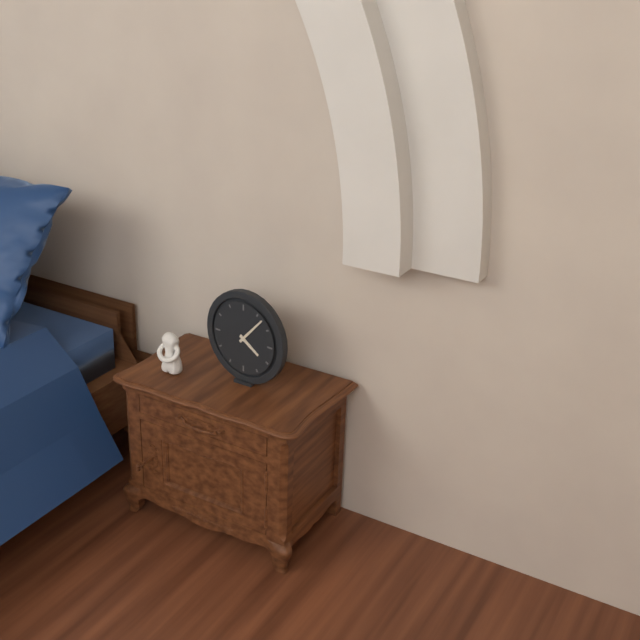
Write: 4:07
